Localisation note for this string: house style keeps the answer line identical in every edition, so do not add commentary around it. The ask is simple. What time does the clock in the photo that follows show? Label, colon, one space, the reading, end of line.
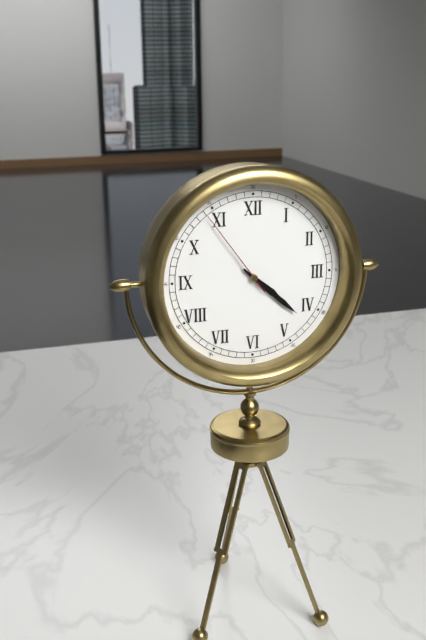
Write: 4:22:54
